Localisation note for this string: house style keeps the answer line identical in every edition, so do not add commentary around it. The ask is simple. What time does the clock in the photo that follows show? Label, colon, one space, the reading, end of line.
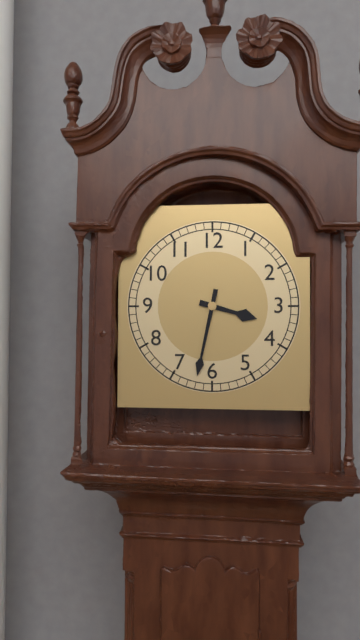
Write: 3:32
